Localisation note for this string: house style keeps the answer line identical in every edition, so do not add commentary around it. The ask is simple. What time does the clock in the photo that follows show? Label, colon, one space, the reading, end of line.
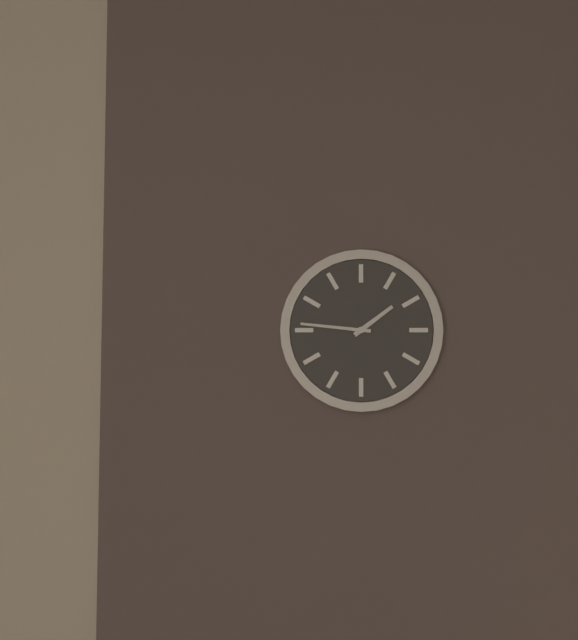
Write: 1:46
